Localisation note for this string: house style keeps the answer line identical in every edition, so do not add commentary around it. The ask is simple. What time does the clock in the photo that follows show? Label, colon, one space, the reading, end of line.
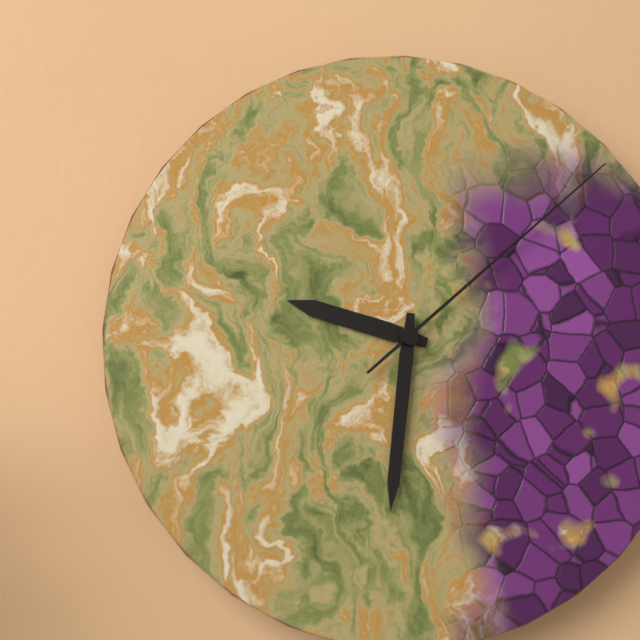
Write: 9:31:08
